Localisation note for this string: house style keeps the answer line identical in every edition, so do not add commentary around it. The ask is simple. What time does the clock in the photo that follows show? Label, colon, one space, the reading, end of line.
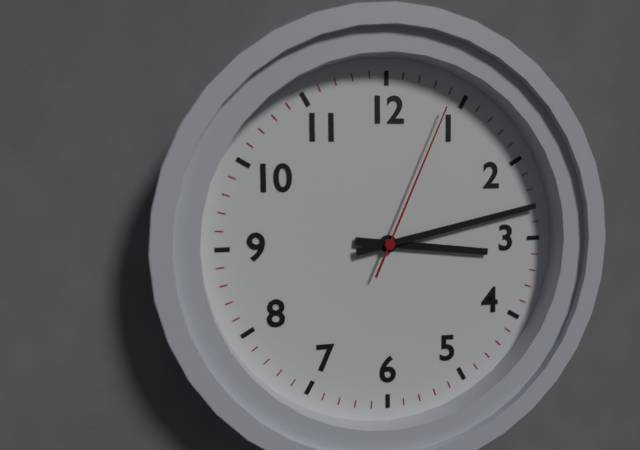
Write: 3:13:04
